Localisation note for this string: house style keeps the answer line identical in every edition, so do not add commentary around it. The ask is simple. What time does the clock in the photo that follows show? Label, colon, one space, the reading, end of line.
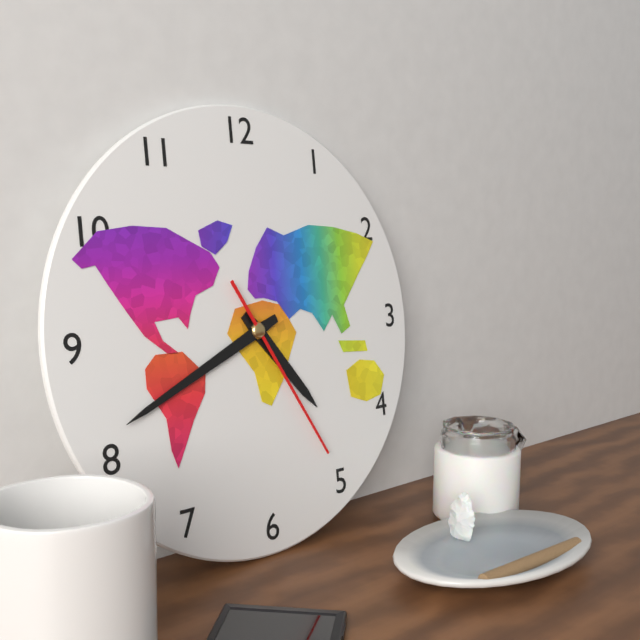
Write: 4:41:25
